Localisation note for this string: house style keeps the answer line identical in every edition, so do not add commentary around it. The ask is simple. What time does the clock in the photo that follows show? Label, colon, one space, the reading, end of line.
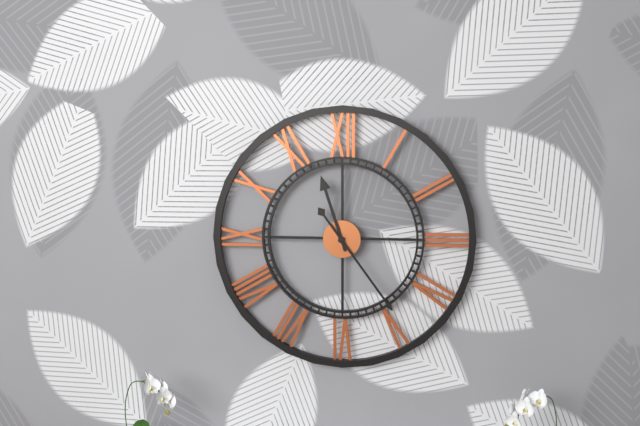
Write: 11:24
